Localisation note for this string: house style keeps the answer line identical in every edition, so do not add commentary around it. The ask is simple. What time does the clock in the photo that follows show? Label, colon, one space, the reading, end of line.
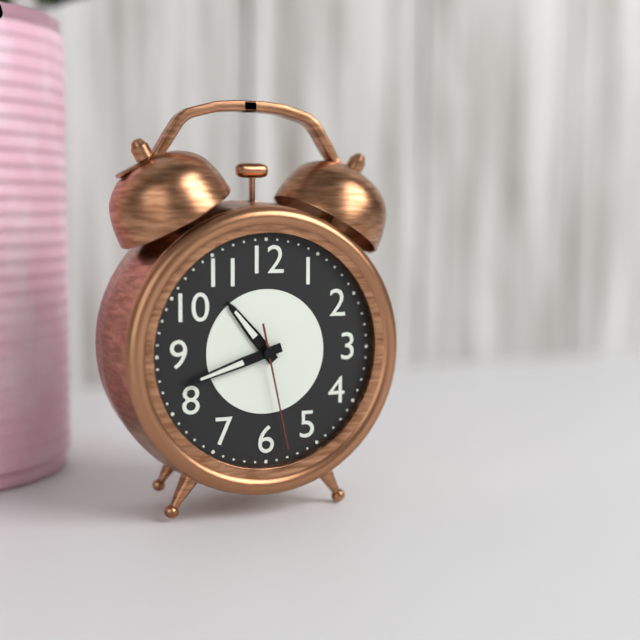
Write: 10:42:28
